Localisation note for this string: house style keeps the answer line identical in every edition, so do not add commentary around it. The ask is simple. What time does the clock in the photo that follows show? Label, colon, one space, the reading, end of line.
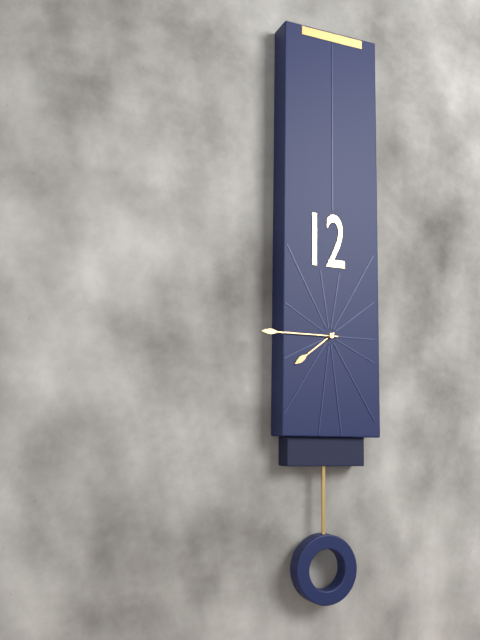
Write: 7:45
